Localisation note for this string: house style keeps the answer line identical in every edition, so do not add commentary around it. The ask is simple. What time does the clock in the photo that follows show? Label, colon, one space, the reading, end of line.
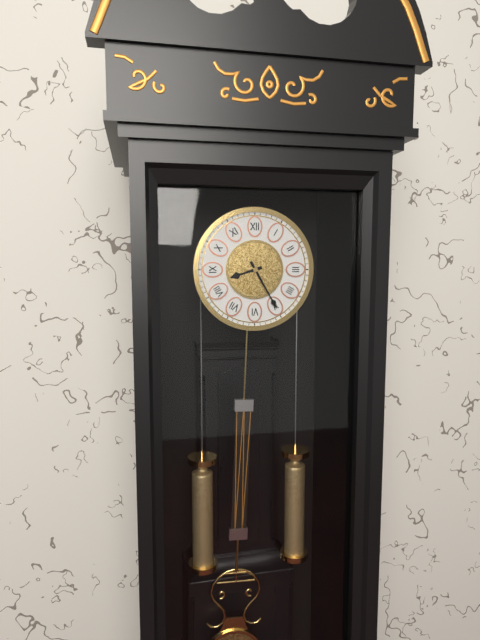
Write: 8:25
